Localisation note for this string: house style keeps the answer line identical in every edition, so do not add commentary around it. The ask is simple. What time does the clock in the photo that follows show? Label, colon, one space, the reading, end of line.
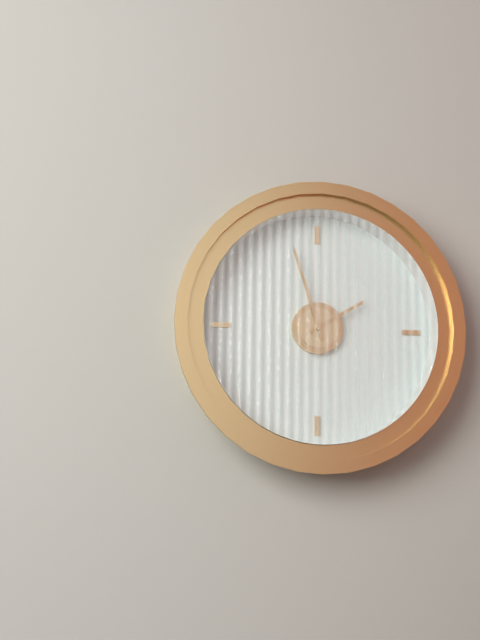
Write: 1:57
